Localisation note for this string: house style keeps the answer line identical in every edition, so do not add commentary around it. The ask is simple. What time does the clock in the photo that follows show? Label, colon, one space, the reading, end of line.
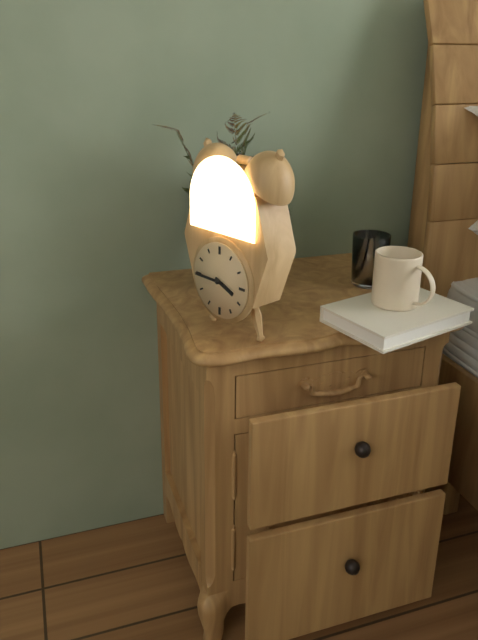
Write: 3:45
